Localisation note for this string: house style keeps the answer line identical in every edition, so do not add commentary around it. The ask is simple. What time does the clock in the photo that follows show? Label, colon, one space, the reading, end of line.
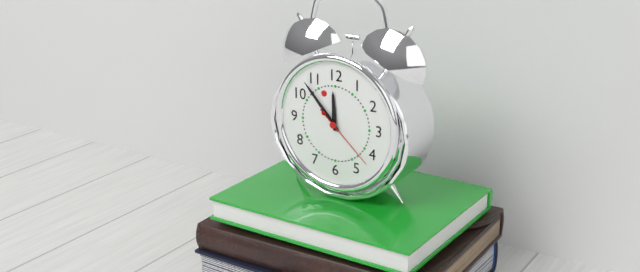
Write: 11:53:22
